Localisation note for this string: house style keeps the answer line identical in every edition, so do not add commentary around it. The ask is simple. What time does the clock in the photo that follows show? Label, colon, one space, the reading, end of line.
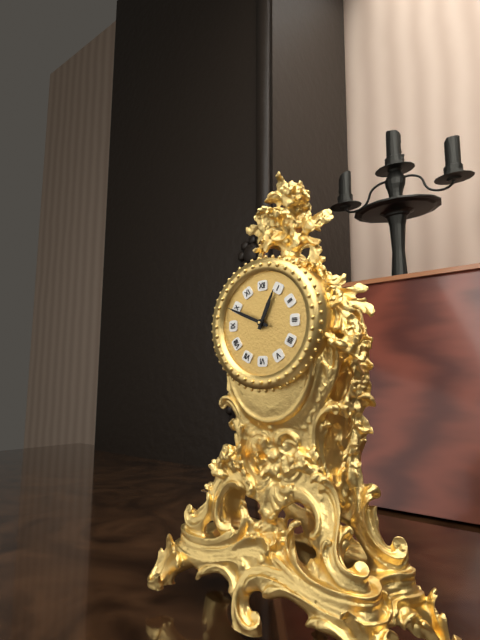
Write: 12:49
